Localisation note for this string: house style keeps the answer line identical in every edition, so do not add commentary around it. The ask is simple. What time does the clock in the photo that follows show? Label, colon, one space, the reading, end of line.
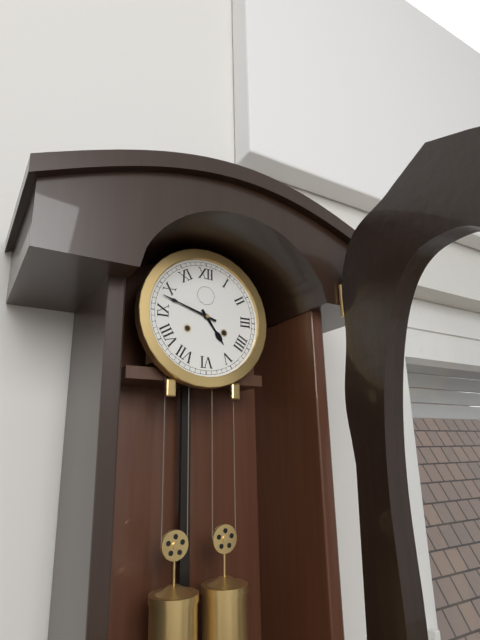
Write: 4:48
